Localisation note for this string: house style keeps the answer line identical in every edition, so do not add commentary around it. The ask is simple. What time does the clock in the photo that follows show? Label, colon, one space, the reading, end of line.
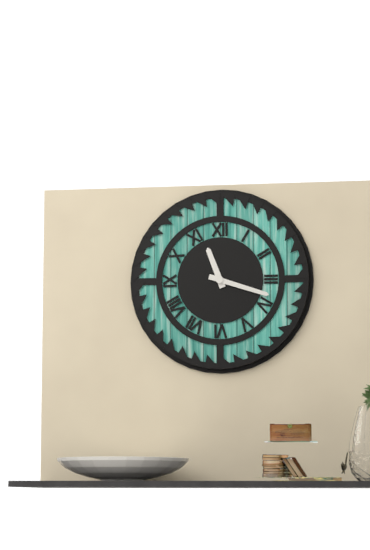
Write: 11:18
